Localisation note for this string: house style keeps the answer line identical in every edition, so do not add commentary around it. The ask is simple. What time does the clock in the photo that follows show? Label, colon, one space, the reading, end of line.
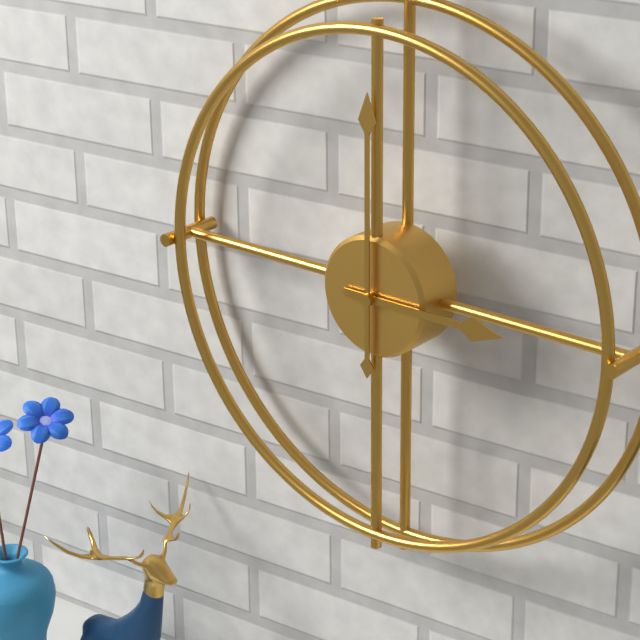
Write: 3:00
